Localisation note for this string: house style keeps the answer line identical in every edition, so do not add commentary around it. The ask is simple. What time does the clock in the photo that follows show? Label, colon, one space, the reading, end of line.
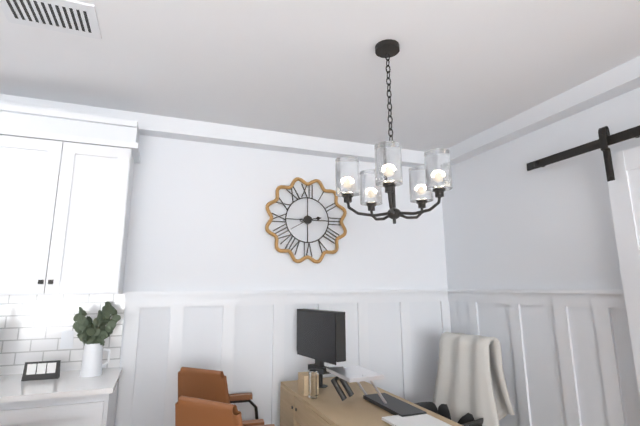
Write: 2:40
